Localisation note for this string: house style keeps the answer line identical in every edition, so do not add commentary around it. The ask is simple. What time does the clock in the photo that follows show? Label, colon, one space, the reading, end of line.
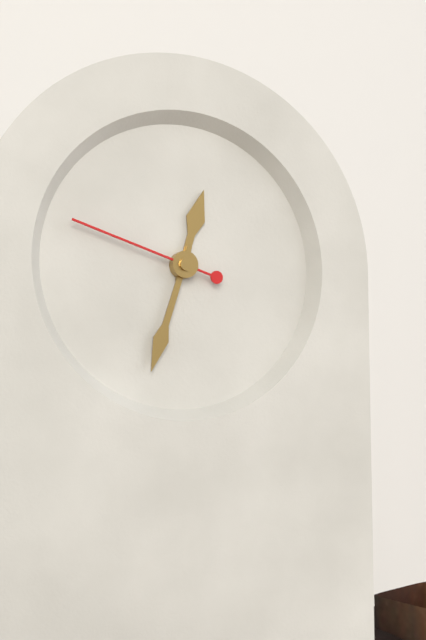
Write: 12:33:48
